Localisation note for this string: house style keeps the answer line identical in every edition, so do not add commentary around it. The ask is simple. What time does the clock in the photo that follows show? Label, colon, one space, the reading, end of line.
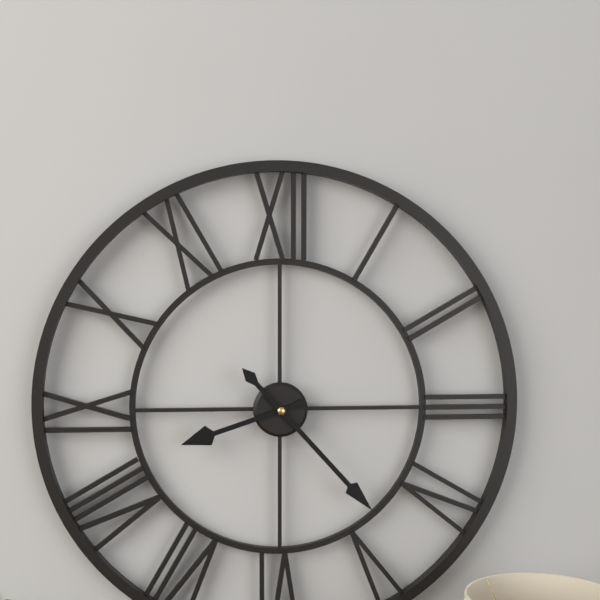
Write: 8:23
